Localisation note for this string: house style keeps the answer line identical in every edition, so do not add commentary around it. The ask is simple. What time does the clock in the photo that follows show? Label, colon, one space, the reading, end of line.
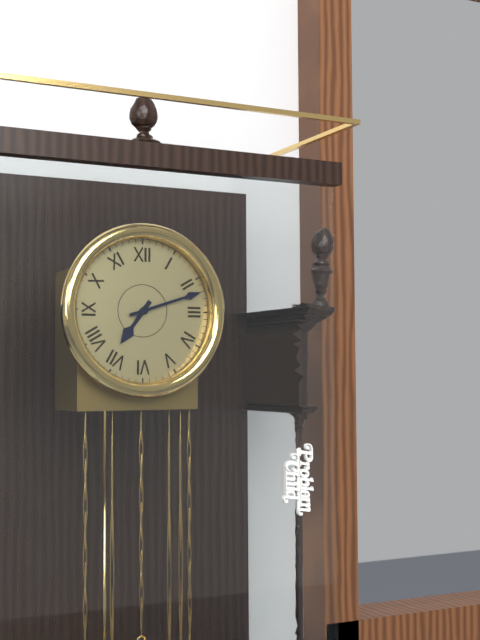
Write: 7:12
